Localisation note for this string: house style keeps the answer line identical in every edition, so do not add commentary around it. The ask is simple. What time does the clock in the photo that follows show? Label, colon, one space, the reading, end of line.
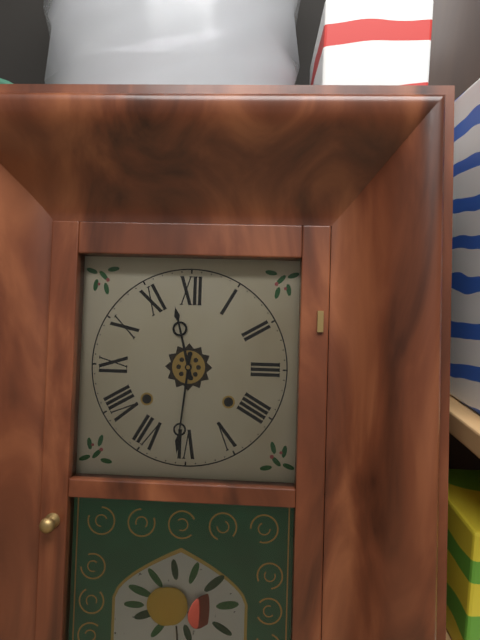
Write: 11:31
